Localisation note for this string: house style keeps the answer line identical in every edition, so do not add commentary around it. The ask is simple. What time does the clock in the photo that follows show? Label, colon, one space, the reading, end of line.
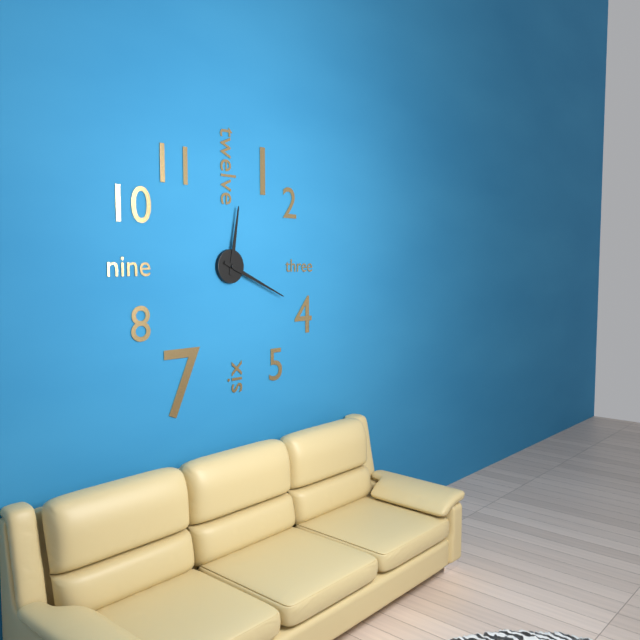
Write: 12:19
